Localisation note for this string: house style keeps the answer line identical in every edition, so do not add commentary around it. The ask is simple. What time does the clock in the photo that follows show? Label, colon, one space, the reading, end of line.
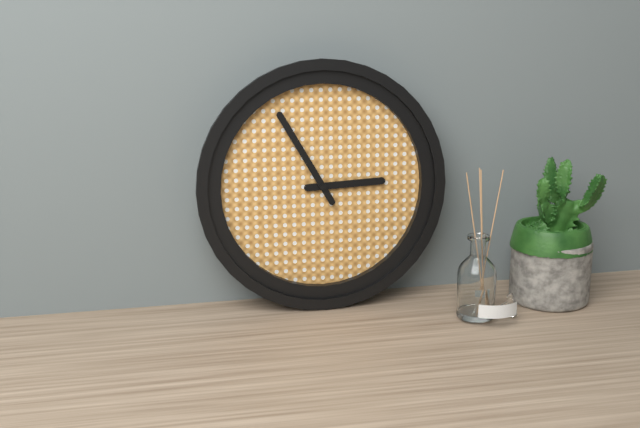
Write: 2:55
